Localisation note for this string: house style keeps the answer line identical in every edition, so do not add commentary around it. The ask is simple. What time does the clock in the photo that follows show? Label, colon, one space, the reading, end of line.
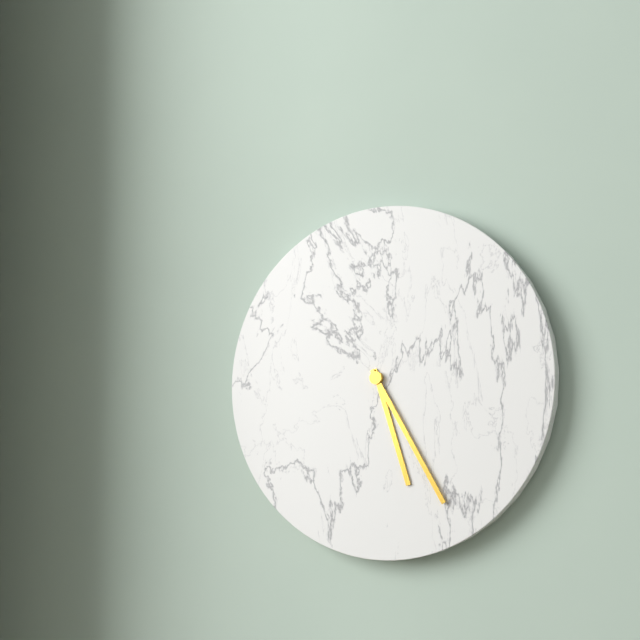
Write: 5:25
